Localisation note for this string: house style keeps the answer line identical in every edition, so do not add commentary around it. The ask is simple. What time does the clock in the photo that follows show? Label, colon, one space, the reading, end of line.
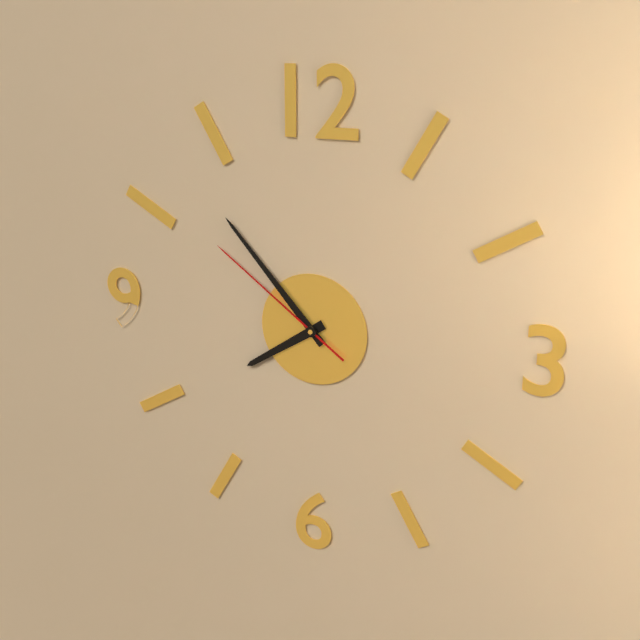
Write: 7:53:51
